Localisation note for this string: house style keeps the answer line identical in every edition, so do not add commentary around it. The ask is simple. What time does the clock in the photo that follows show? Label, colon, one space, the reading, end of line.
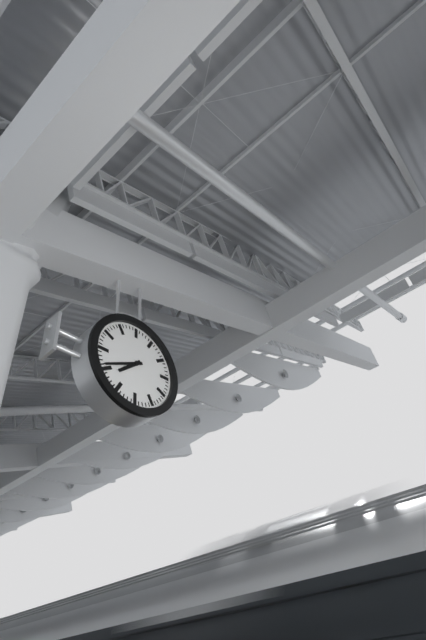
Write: 7:41
